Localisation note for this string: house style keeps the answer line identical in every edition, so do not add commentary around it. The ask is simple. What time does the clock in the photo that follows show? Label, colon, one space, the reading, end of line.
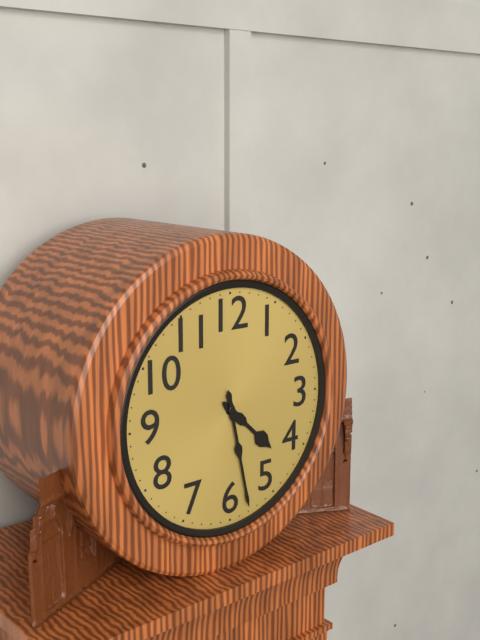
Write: 4:28
